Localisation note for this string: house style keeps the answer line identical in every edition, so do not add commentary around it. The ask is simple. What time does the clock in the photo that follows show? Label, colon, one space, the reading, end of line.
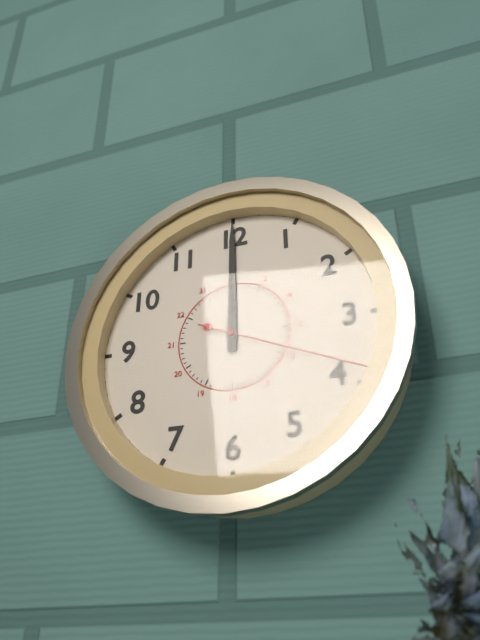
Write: 12:00:19
